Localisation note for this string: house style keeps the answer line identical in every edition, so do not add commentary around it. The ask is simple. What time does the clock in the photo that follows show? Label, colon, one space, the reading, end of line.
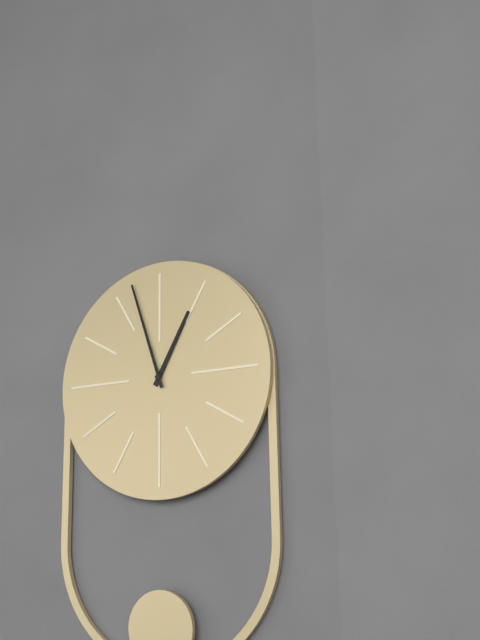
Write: 12:57
